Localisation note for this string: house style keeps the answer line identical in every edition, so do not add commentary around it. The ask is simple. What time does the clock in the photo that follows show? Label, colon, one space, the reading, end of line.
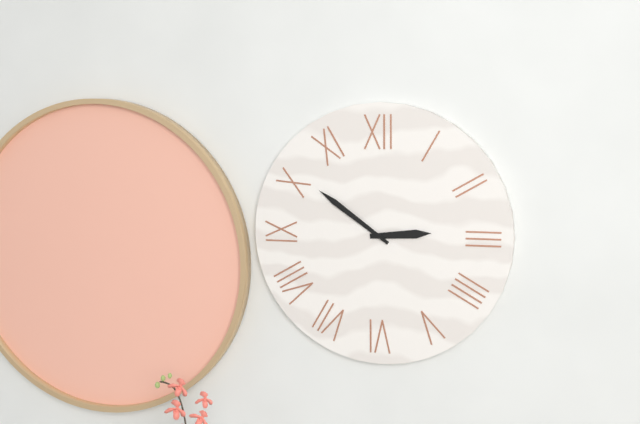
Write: 2:51
